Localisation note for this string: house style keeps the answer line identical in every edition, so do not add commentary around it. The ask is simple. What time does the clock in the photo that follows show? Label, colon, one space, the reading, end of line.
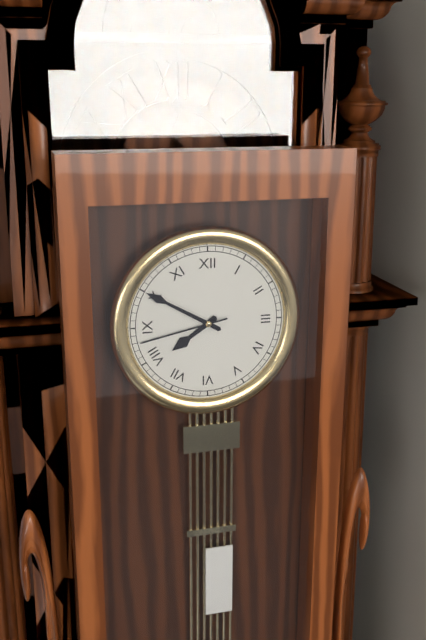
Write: 7:50:43
